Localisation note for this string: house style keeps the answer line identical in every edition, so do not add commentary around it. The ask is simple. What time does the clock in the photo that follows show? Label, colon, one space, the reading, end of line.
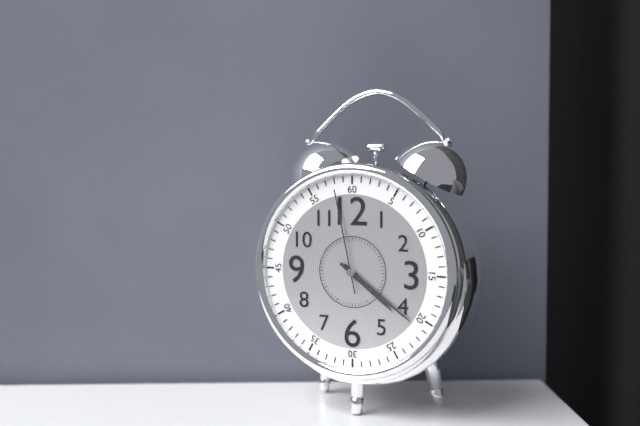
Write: 4:21:58
